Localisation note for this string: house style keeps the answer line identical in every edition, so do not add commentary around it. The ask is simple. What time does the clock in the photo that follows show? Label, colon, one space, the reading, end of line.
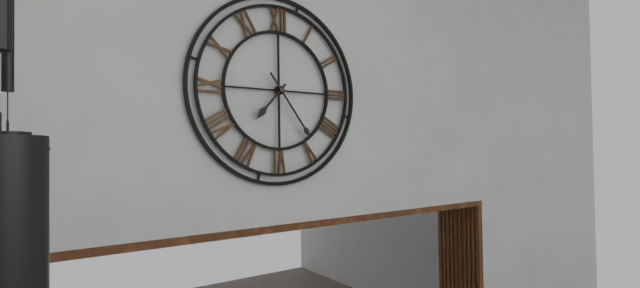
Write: 7:24
